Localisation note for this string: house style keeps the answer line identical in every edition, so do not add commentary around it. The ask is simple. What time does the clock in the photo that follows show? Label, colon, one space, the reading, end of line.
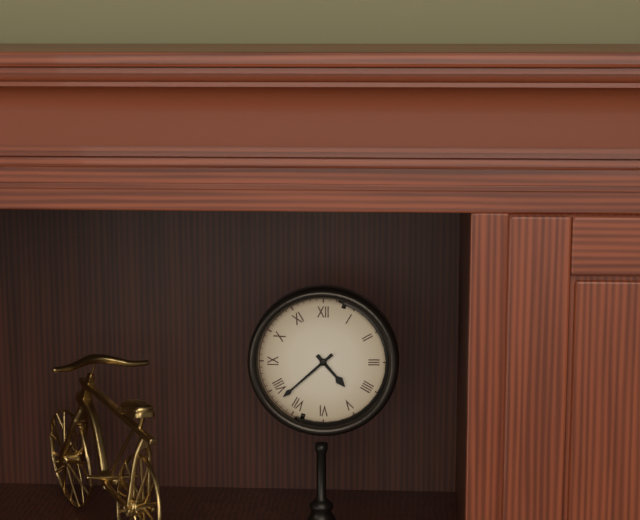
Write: 4:38
